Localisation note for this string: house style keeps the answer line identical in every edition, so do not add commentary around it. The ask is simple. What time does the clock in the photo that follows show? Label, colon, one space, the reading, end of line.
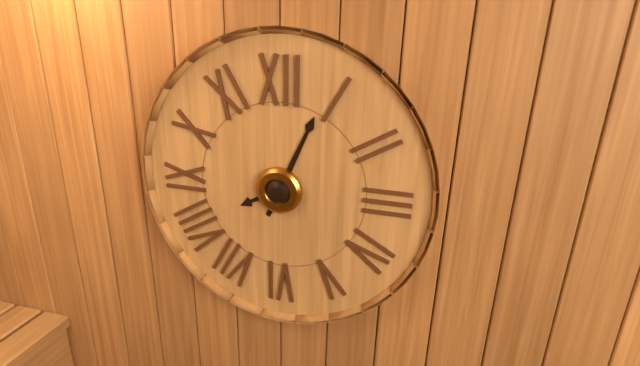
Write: 8:04
